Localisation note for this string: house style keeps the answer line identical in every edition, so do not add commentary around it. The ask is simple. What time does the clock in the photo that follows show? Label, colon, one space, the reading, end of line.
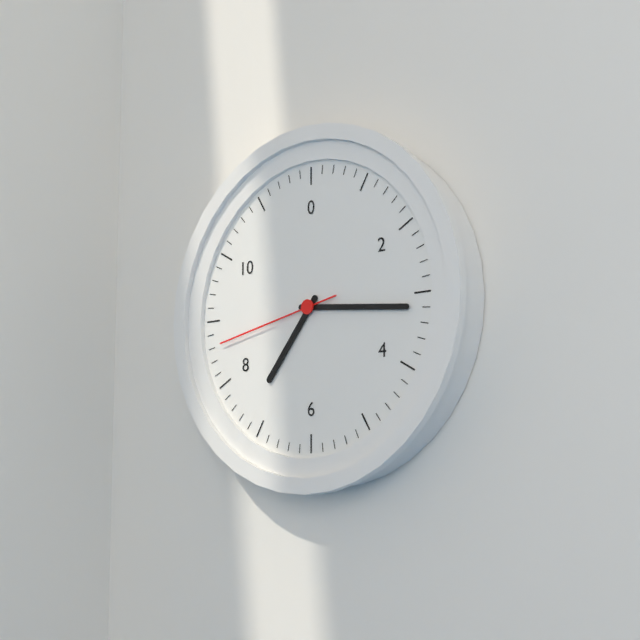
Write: 7:16:43
